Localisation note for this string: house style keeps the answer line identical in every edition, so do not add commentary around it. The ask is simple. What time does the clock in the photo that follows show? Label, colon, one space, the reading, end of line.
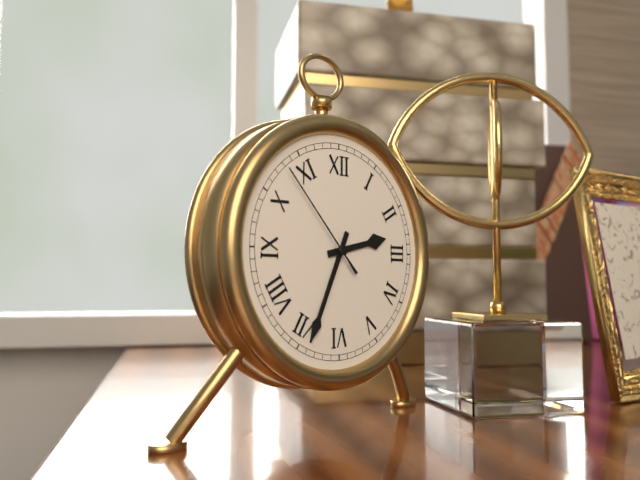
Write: 2:34:53
